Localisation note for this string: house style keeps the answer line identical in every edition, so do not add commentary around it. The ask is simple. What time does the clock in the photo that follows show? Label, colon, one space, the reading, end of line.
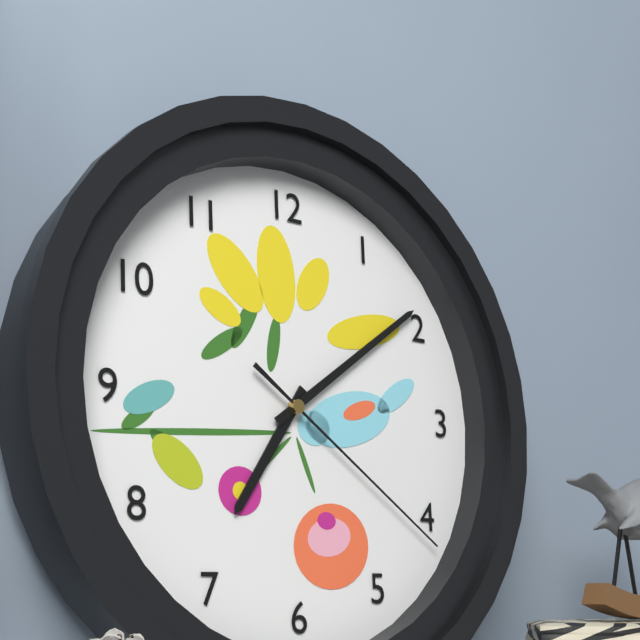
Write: 7:09:21
